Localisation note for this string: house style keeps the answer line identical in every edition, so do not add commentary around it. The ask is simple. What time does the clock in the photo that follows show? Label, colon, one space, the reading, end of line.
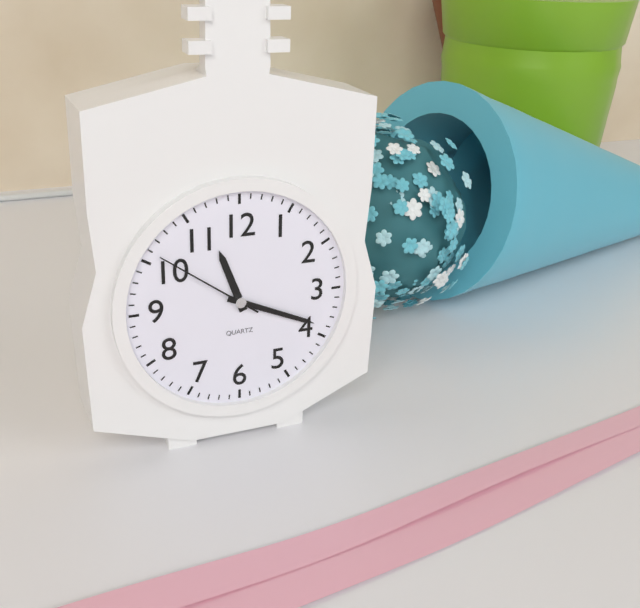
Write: 11:19:51
